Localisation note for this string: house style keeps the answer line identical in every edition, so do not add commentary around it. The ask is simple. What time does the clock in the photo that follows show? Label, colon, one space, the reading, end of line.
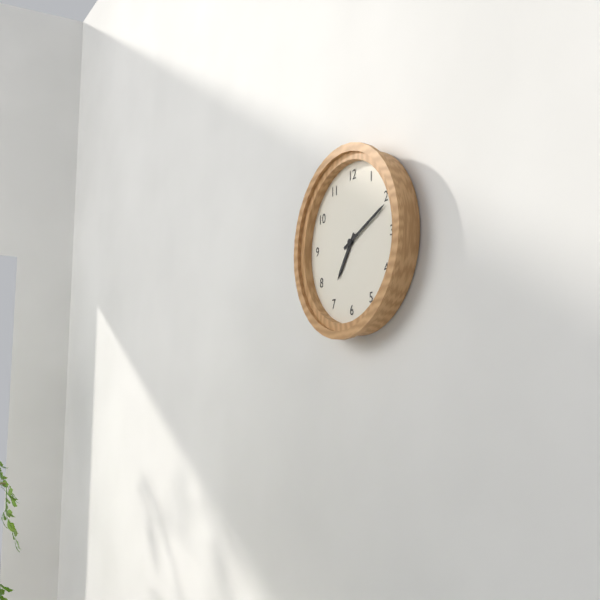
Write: 7:11
